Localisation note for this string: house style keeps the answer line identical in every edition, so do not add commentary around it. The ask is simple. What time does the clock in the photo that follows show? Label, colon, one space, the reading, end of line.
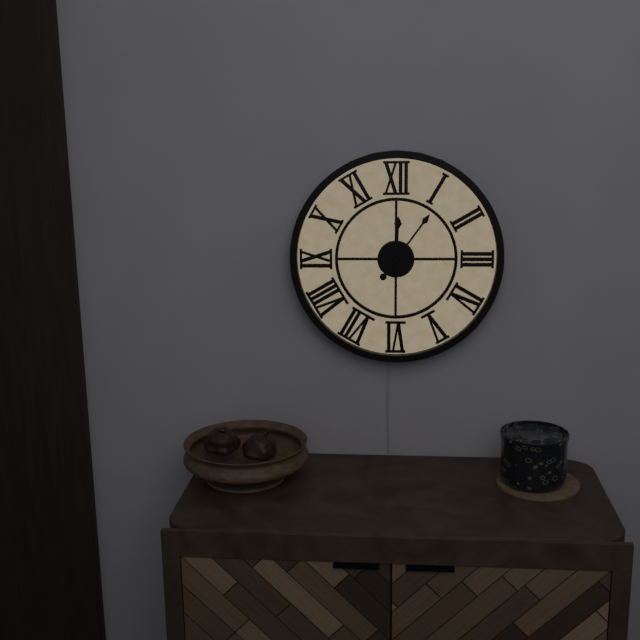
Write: 12:06
